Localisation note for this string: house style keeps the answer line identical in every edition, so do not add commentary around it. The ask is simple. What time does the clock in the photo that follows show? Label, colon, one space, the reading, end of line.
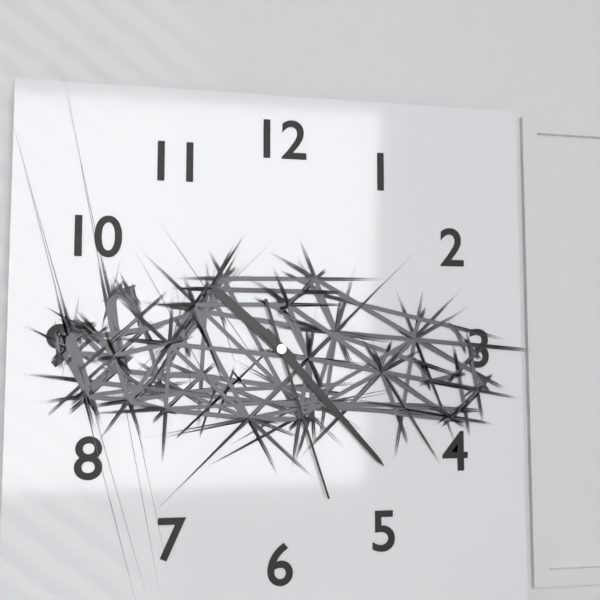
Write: 10:23:27
